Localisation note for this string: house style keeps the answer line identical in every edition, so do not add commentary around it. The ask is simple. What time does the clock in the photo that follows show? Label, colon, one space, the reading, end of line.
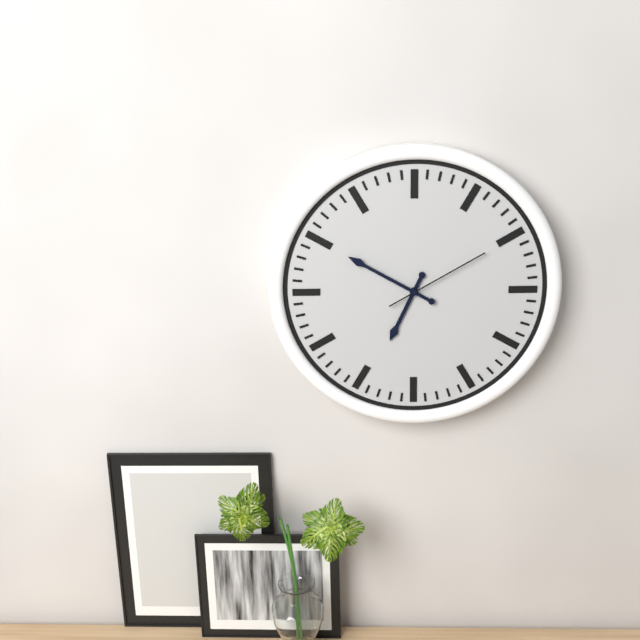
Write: 6:50:10
